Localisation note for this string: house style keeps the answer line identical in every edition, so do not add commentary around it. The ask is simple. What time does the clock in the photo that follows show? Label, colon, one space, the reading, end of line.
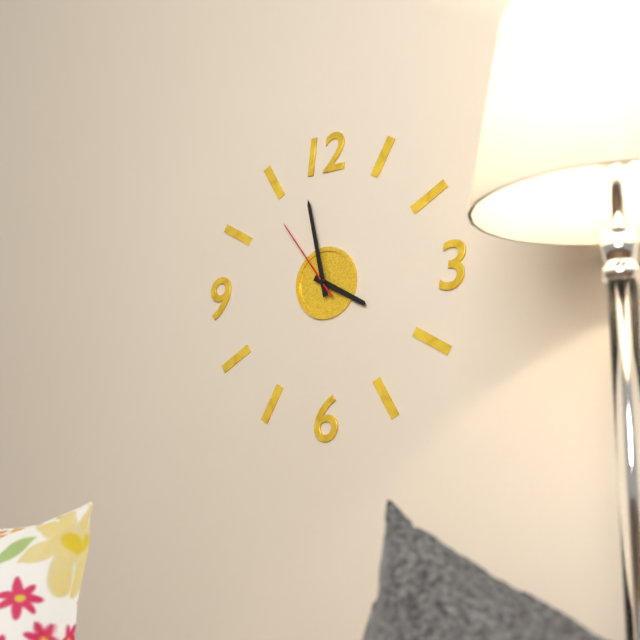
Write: 3:58:54
